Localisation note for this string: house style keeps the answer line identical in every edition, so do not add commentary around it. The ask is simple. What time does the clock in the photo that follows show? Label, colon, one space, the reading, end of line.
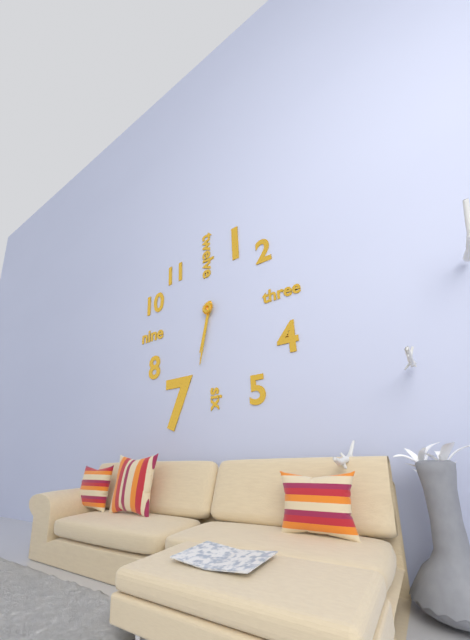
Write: 6:32
